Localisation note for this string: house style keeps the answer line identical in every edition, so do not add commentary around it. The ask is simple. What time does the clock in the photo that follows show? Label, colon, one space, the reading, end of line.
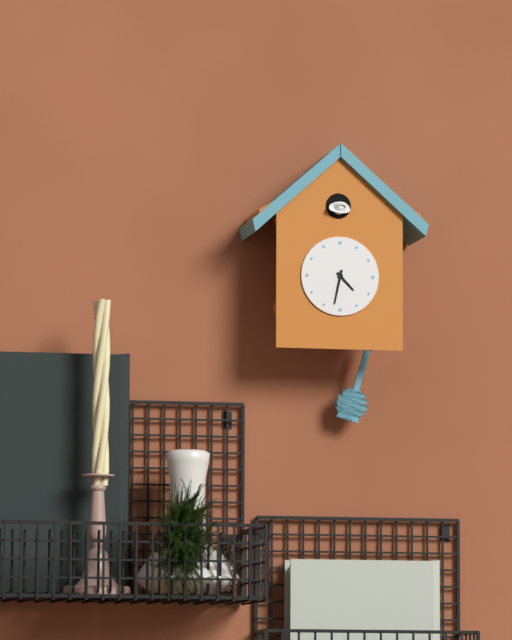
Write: 4:32
